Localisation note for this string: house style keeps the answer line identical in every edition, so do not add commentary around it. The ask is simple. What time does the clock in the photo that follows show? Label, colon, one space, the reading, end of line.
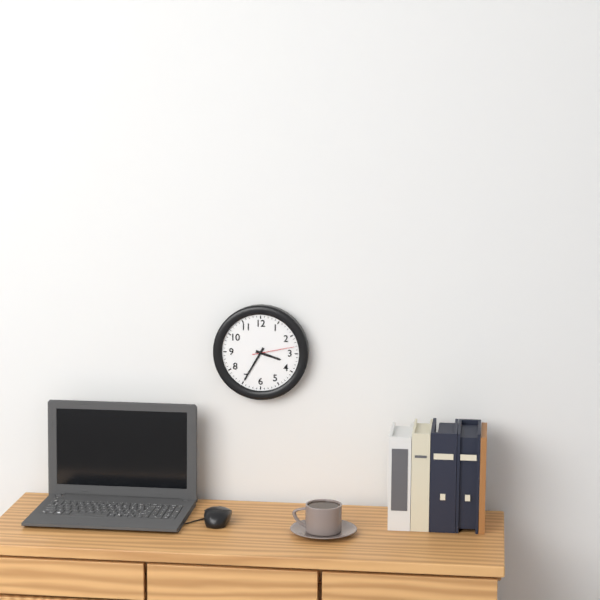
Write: 3:35
